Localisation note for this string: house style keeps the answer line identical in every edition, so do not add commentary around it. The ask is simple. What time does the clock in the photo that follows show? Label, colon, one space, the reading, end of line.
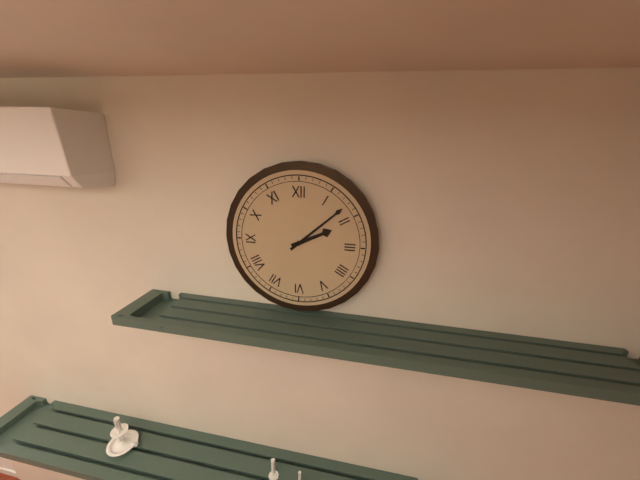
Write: 2:08
